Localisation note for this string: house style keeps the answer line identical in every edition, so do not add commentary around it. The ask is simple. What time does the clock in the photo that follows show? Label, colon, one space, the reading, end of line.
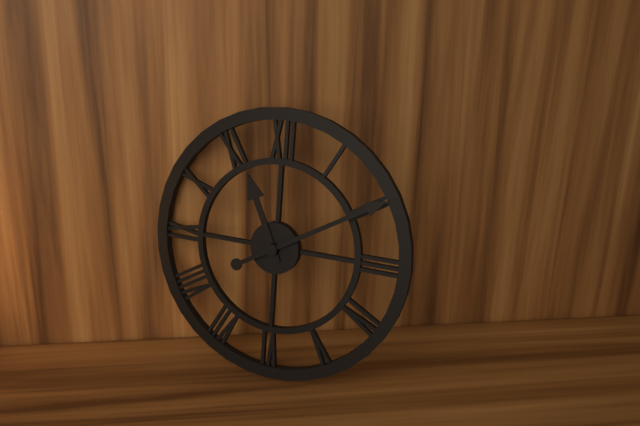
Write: 11:10
